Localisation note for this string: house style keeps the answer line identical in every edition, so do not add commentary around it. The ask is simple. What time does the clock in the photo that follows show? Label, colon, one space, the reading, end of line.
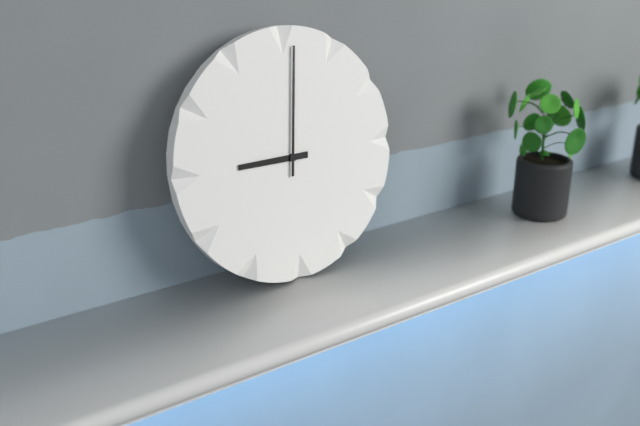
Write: 9:01
